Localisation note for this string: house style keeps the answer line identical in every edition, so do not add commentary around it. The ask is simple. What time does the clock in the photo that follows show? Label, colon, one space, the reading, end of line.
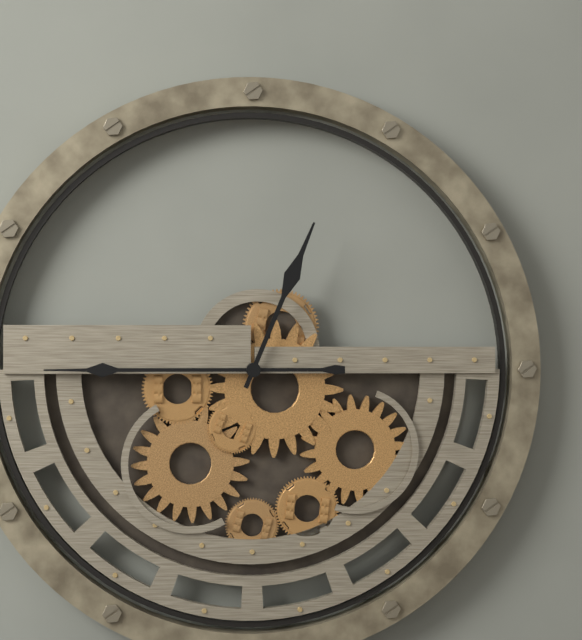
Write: 12:45
